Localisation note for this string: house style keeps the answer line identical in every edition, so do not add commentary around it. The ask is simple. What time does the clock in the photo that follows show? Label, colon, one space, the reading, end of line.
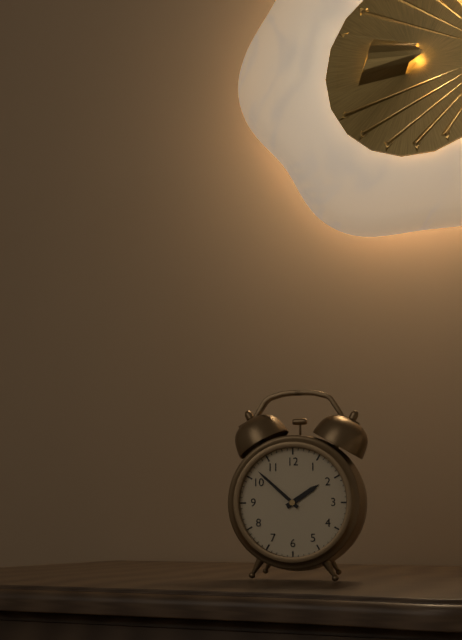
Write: 1:52
